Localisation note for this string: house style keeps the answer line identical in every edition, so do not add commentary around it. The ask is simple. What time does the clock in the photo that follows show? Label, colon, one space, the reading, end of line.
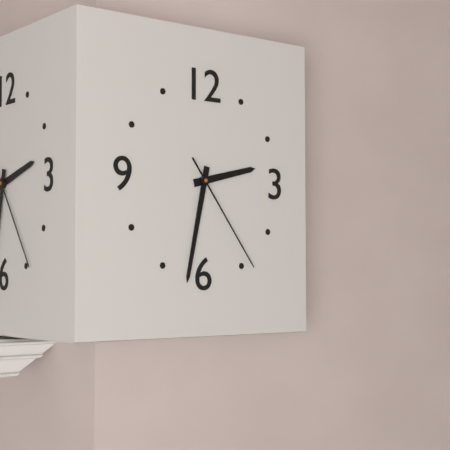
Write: 2:32:24
